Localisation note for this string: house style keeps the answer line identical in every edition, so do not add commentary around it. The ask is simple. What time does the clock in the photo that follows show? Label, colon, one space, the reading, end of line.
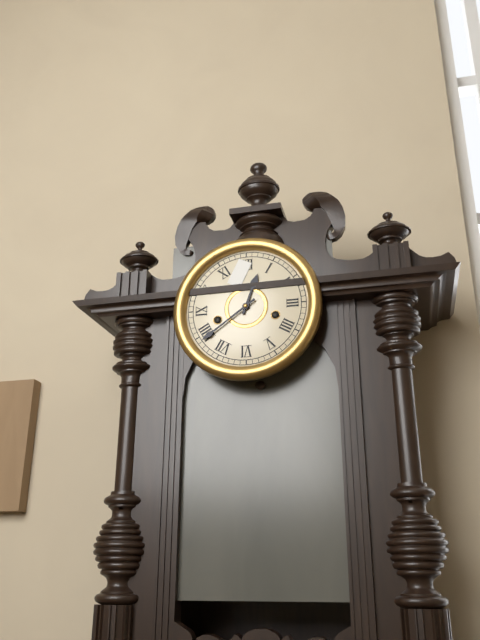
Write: 12:39
